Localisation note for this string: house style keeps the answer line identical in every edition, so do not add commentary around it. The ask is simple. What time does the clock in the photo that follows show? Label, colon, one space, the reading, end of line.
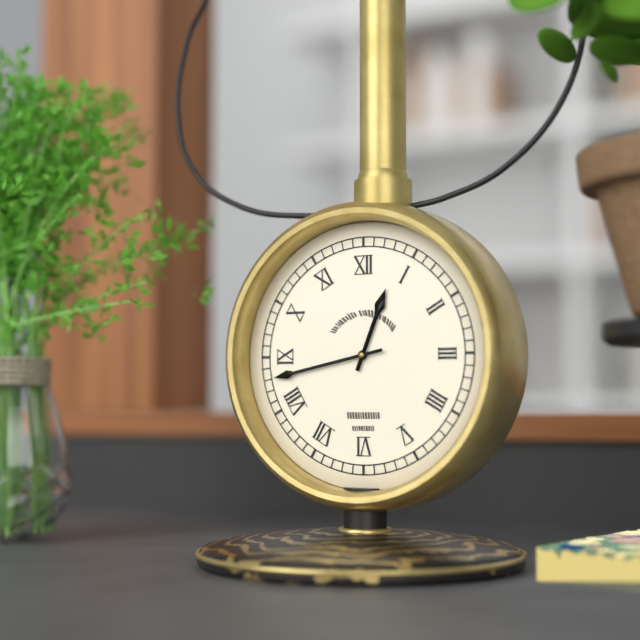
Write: 12:43
